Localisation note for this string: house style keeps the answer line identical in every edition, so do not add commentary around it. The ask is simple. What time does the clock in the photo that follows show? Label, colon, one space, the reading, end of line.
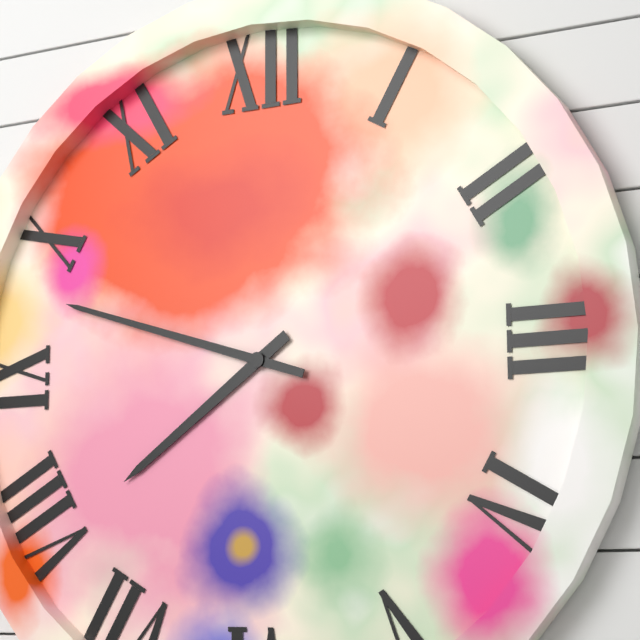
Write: 7:48
